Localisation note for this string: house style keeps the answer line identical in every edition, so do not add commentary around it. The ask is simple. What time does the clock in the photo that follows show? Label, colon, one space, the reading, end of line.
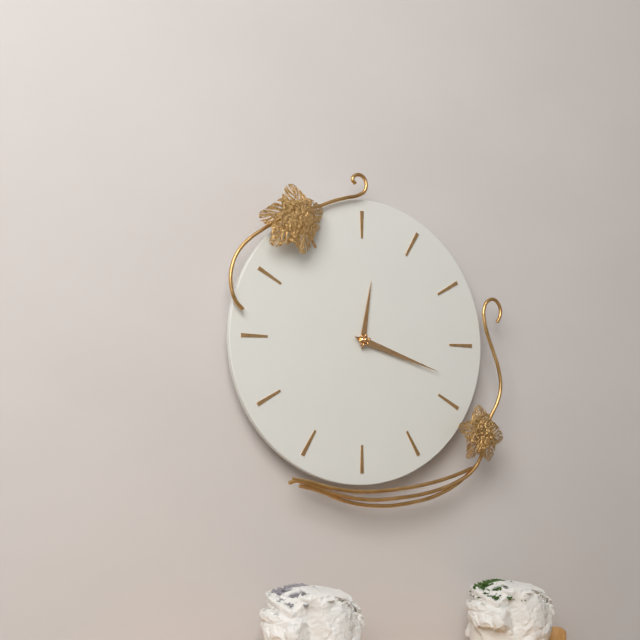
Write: 12:18
